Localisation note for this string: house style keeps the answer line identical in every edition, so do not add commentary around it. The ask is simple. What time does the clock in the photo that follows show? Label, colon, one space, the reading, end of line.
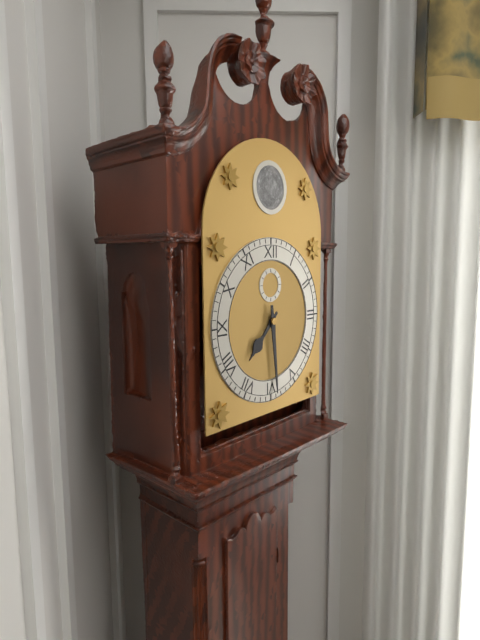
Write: 7:29
